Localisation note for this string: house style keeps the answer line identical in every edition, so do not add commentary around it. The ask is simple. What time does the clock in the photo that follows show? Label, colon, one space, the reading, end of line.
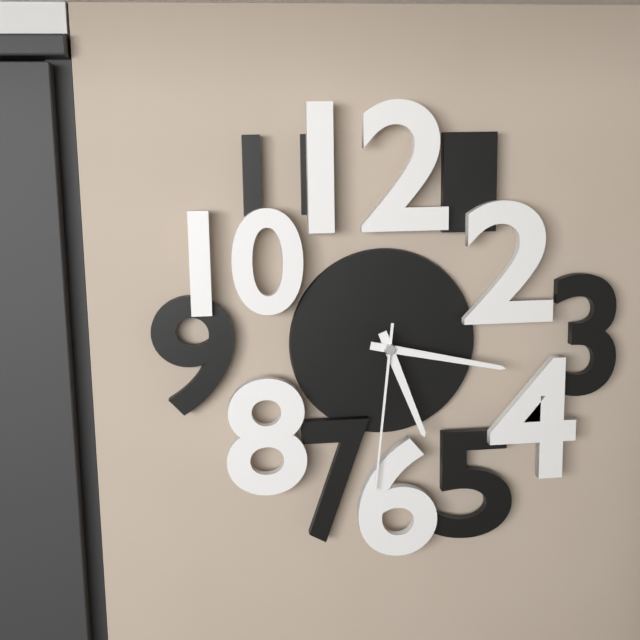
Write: 5:17:31
